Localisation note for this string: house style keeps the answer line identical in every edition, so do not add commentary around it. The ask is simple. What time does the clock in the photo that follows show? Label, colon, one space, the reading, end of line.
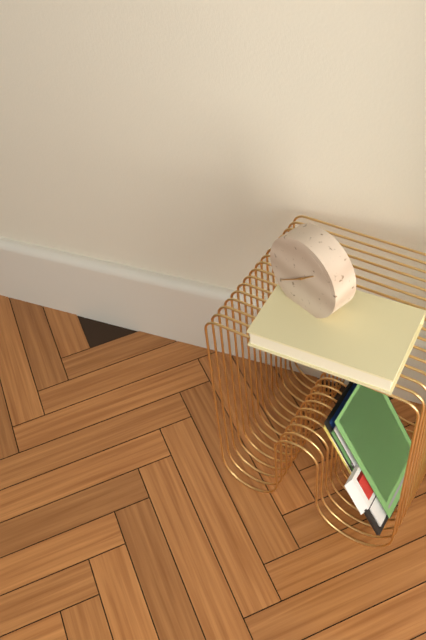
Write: 1:39
